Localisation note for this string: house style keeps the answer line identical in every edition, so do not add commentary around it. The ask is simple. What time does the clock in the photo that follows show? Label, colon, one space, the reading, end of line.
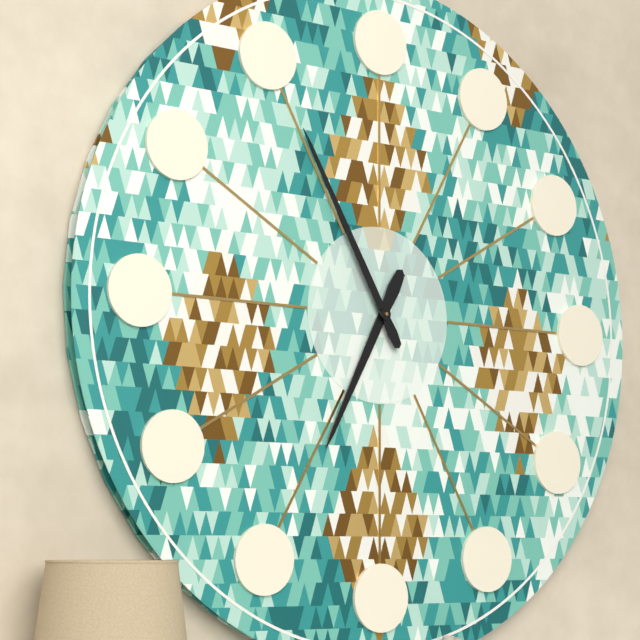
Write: 6:55
